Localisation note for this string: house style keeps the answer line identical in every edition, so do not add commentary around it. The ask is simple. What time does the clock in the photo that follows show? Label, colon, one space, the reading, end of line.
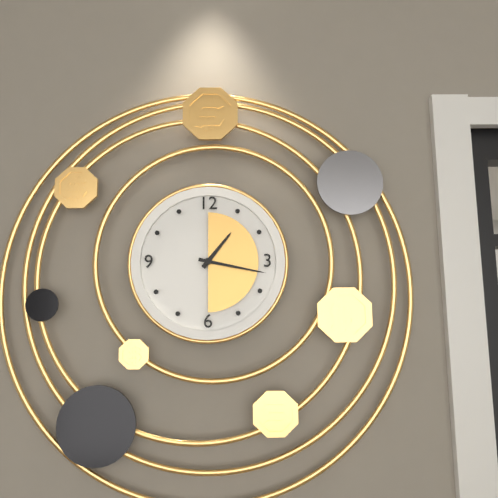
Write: 1:17
